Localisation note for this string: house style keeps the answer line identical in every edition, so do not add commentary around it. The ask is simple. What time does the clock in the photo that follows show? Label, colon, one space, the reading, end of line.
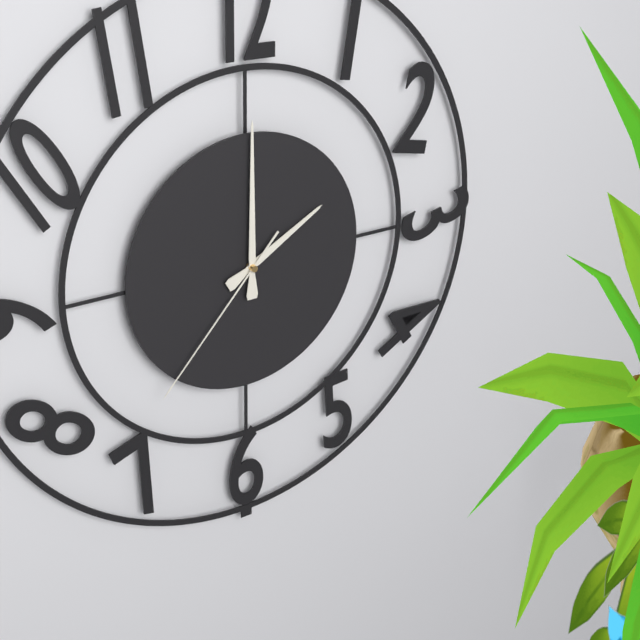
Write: 2:00:37
